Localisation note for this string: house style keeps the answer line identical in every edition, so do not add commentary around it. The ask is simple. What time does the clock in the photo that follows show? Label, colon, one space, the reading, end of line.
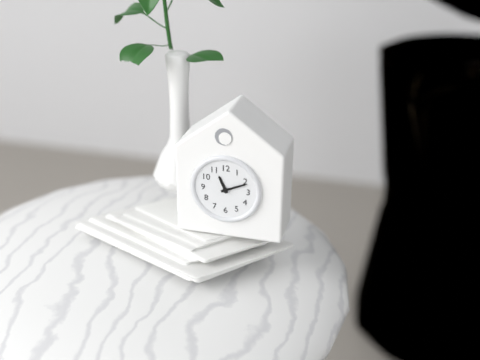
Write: 11:11
